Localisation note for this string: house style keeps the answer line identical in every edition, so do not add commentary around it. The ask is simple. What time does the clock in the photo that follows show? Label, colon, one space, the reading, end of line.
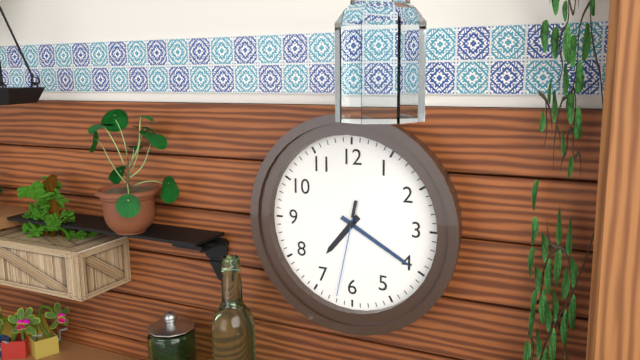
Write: 7:20:32
